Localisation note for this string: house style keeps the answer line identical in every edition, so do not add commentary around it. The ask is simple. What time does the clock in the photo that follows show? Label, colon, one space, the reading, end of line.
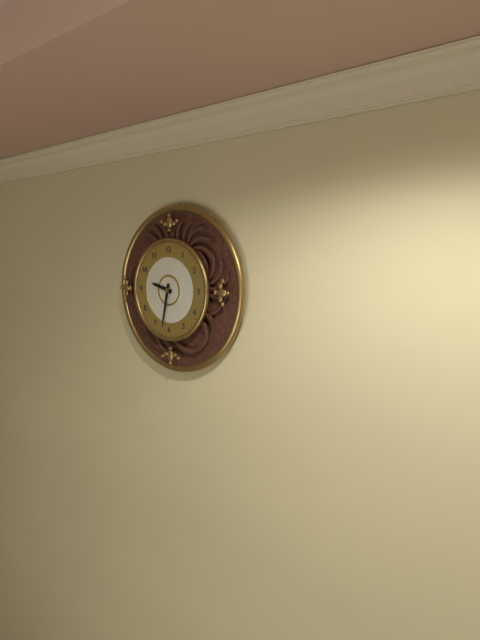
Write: 9:32
